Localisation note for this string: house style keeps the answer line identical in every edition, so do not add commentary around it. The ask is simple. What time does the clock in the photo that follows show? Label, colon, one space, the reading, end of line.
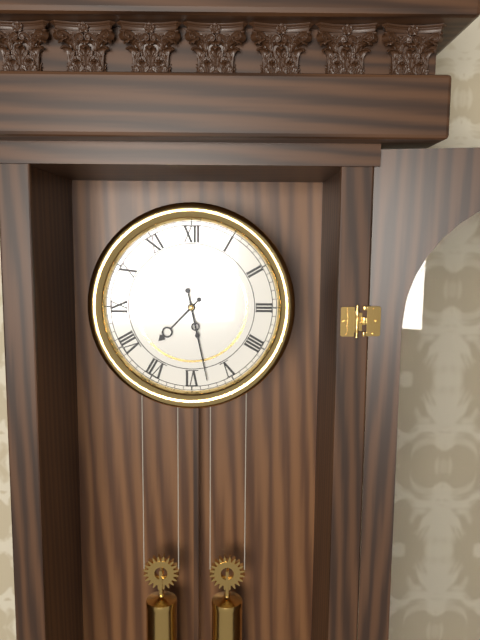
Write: 7:28
